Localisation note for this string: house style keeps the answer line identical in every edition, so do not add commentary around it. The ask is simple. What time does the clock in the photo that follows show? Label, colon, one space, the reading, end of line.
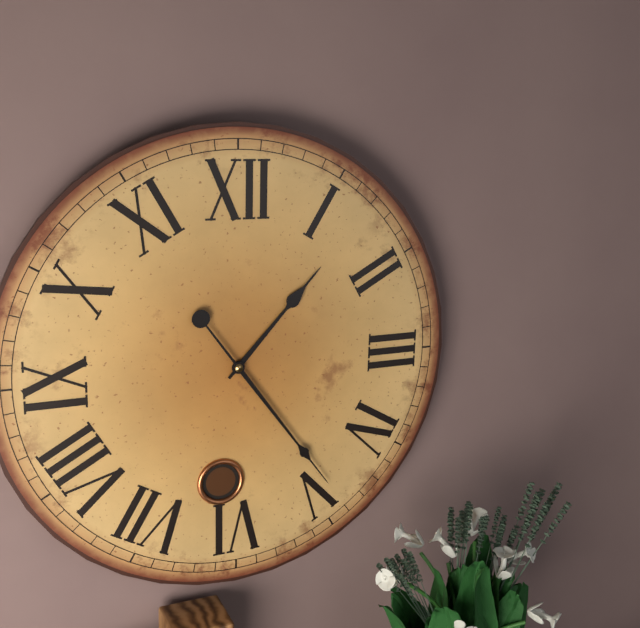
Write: 1:24
